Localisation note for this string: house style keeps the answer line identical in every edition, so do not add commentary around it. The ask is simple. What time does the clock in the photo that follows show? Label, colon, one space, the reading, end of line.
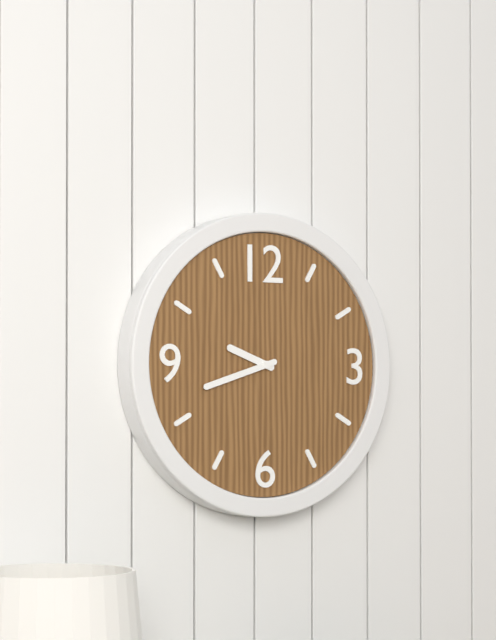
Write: 9:42
